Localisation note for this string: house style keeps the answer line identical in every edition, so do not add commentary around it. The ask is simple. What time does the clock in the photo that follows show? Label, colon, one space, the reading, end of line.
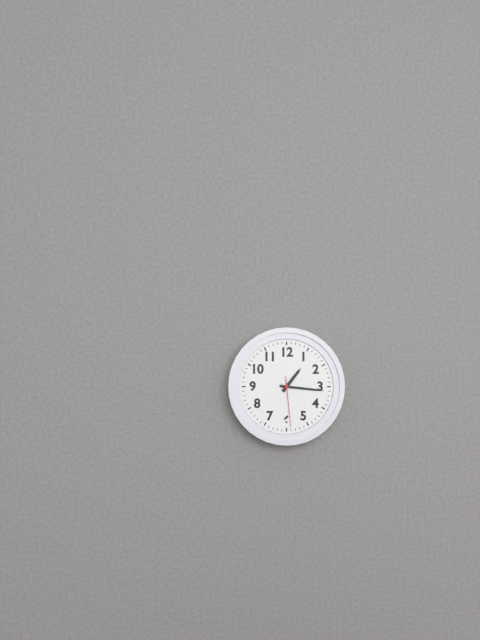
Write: 1:16:29
